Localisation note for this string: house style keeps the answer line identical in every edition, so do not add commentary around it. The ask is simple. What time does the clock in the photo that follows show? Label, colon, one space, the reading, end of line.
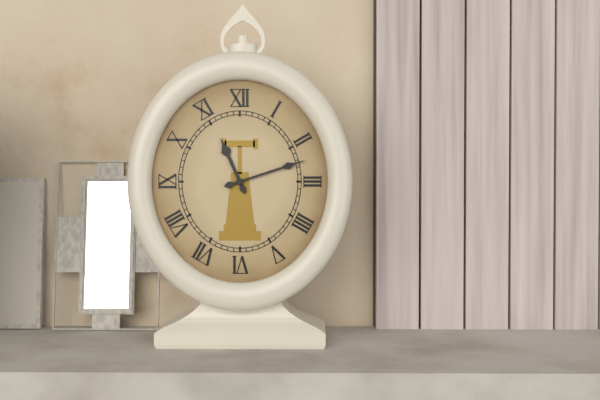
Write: 11:12
